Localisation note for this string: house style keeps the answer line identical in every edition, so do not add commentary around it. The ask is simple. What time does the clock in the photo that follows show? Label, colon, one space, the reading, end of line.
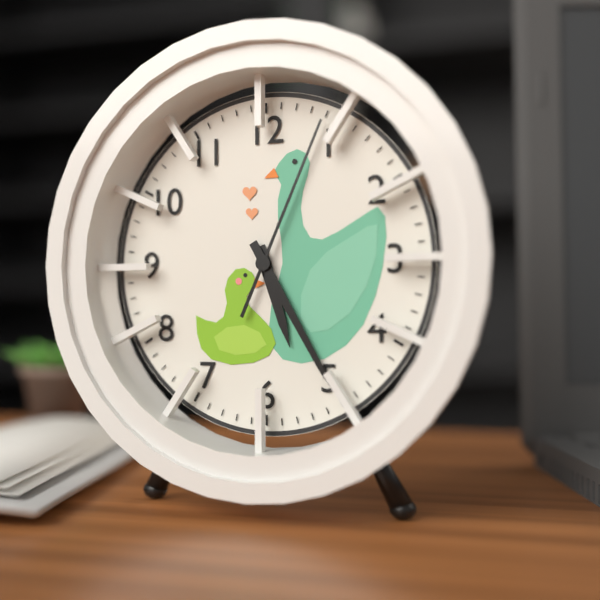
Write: 5:25:04
